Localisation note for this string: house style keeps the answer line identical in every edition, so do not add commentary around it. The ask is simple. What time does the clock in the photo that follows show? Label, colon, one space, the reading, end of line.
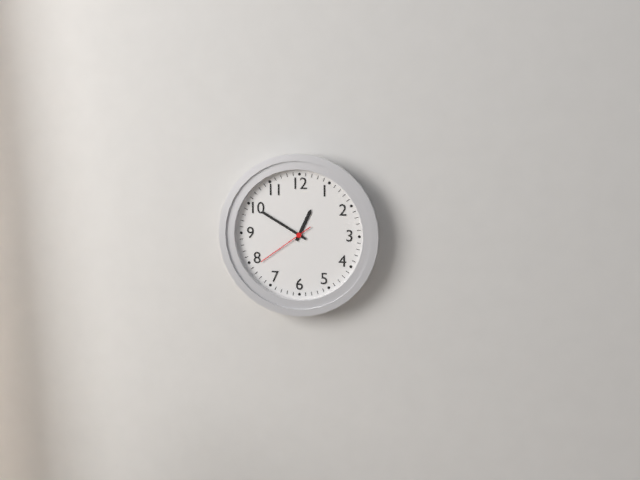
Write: 12:50:39
